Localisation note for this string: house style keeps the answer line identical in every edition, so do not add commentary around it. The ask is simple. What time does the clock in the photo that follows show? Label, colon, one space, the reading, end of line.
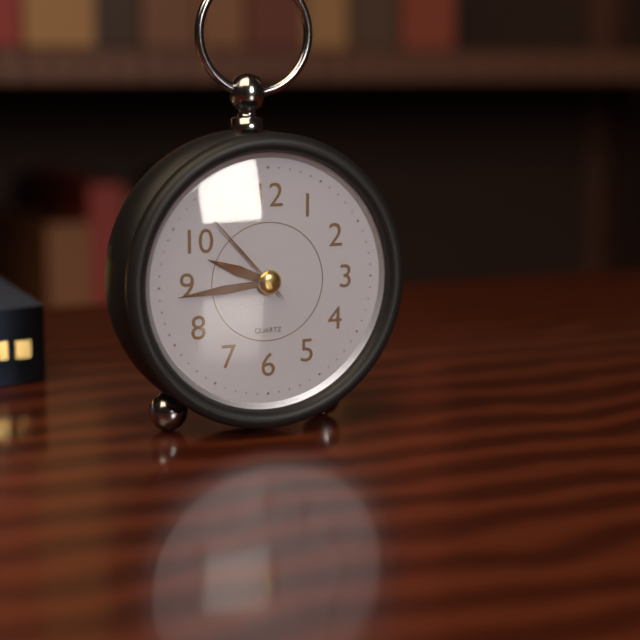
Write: 9:44:53
